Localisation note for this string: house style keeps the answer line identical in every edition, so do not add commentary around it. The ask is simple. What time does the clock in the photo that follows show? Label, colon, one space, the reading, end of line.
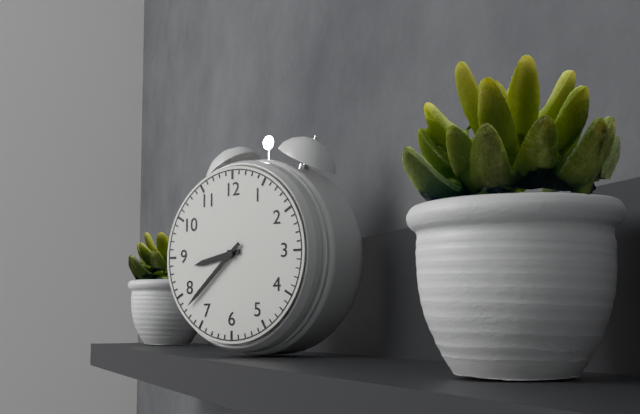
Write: 8:38
